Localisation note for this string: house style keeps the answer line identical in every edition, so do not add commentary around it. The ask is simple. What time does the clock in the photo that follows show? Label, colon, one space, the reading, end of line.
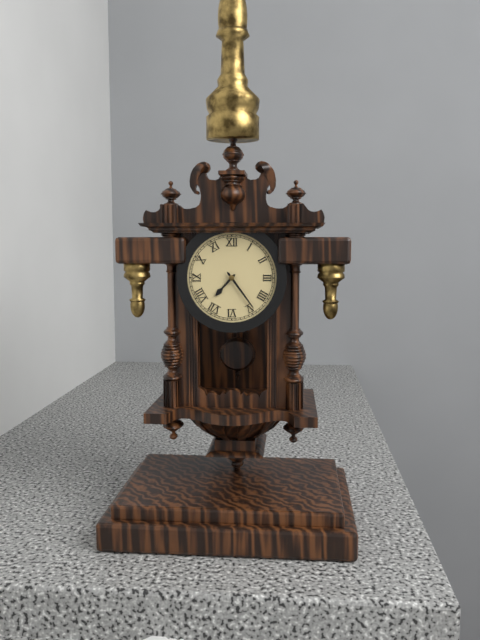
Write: 7:24
